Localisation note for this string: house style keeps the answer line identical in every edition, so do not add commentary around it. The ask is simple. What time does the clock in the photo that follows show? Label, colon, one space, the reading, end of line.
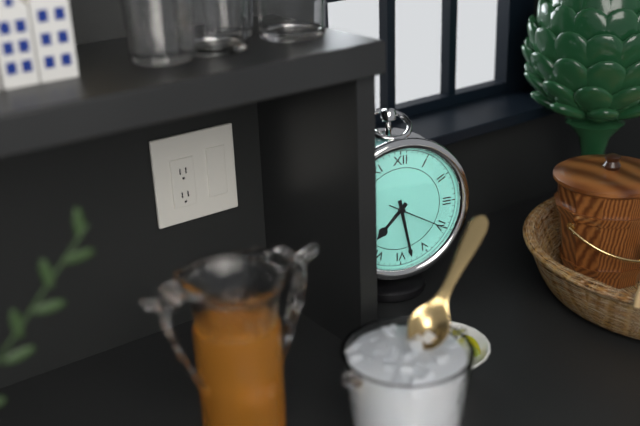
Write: 7:28:20
